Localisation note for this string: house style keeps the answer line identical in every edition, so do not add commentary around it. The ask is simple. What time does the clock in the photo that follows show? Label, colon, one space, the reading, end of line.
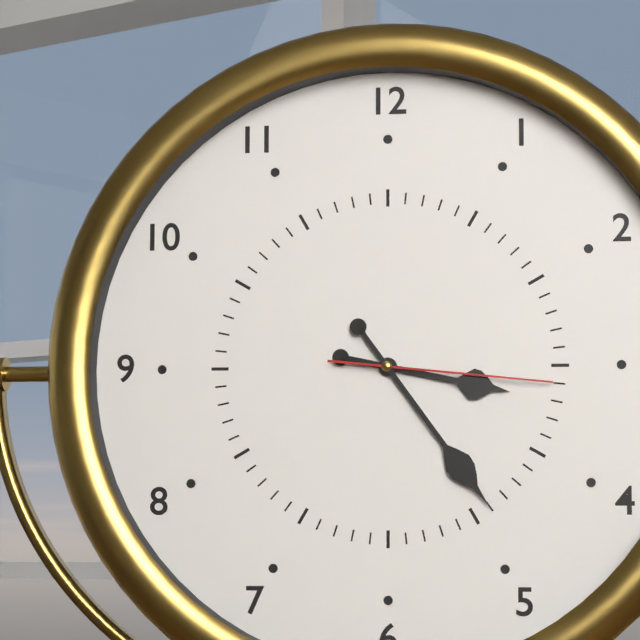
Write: 3:24:16
